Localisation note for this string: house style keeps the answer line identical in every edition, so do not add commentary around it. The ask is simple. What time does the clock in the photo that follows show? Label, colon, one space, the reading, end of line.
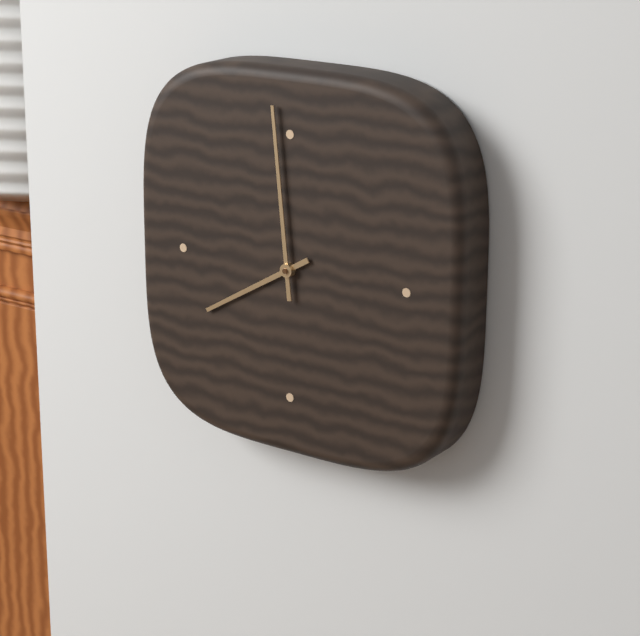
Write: 7:59
